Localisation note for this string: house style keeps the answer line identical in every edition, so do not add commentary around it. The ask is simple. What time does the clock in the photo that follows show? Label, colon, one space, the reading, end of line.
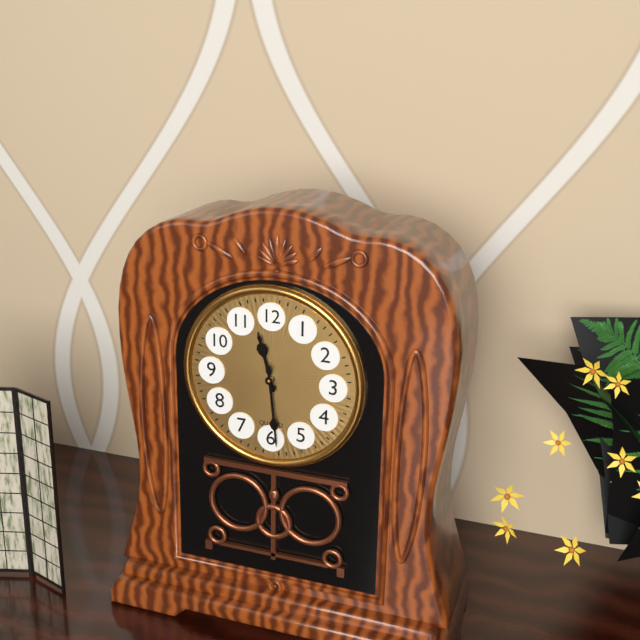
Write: 11:29
